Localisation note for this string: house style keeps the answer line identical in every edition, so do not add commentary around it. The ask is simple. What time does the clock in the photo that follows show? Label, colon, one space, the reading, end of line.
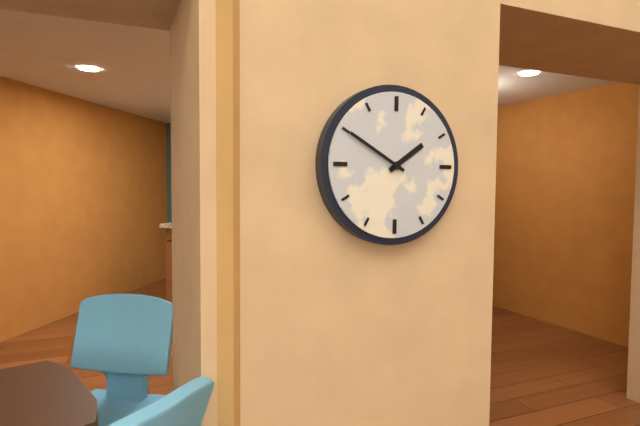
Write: 1:50
